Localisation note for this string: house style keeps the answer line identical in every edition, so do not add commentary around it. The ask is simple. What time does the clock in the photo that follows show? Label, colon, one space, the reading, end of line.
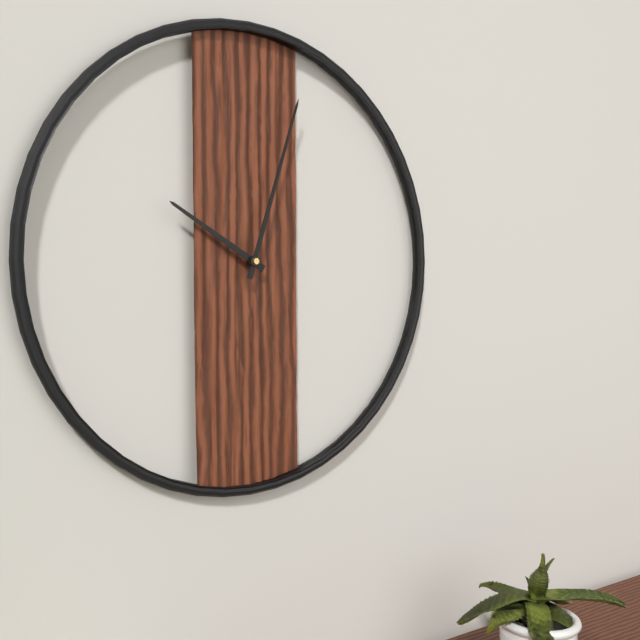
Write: 10:03
